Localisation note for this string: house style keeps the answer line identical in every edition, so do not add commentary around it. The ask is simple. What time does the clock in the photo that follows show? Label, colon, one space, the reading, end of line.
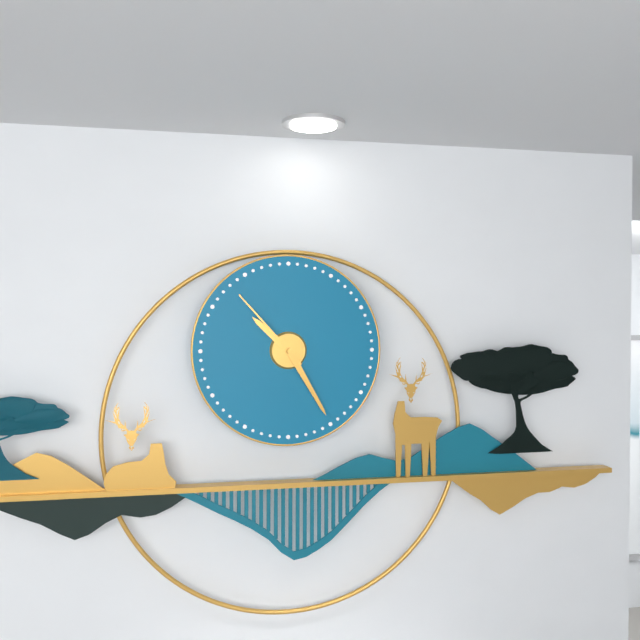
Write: 10:25:53
